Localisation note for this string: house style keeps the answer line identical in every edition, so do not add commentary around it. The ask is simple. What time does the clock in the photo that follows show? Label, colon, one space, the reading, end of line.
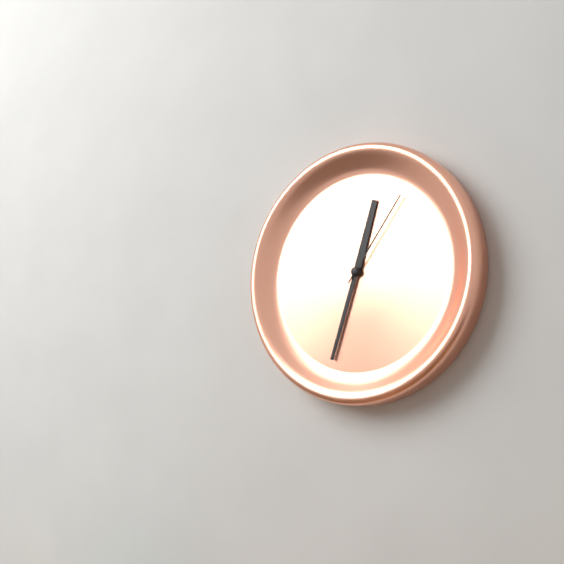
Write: 12:33:06
